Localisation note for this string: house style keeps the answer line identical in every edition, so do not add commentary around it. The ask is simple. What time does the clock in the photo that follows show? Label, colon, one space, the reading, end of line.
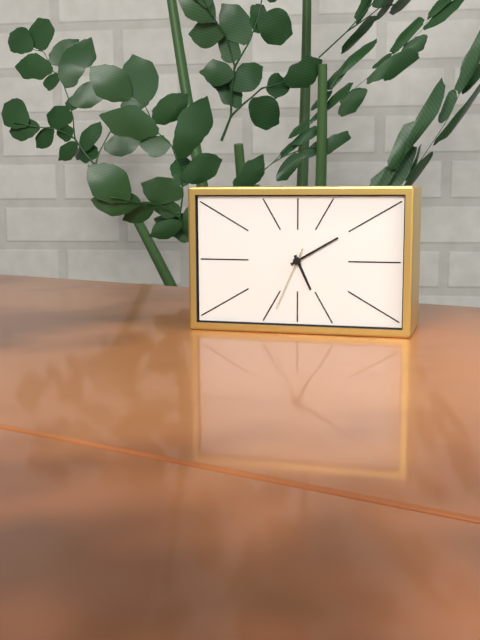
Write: 5:10:34
